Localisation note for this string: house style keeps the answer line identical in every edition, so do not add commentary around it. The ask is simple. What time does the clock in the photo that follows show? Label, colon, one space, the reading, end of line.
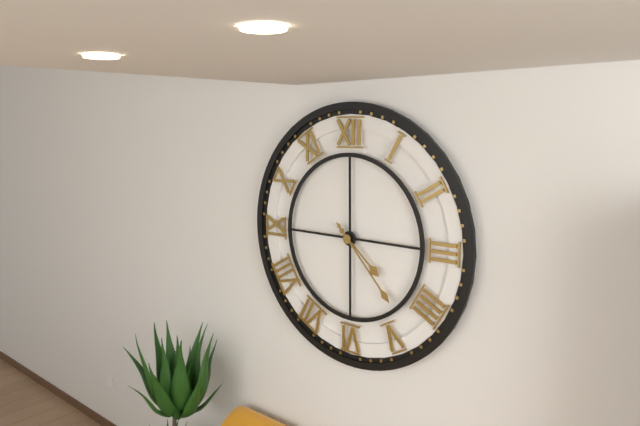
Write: 4:23
